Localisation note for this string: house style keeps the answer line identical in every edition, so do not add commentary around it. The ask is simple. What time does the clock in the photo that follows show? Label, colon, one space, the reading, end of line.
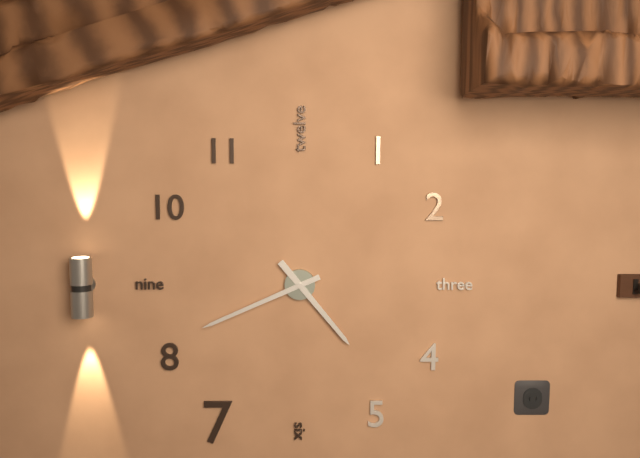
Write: 4:41
